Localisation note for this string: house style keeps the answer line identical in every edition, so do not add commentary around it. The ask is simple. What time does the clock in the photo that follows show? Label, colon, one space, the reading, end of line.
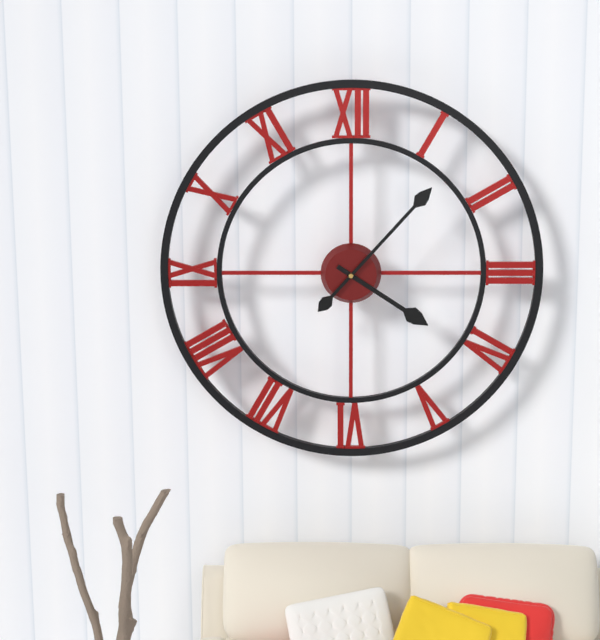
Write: 4:07
